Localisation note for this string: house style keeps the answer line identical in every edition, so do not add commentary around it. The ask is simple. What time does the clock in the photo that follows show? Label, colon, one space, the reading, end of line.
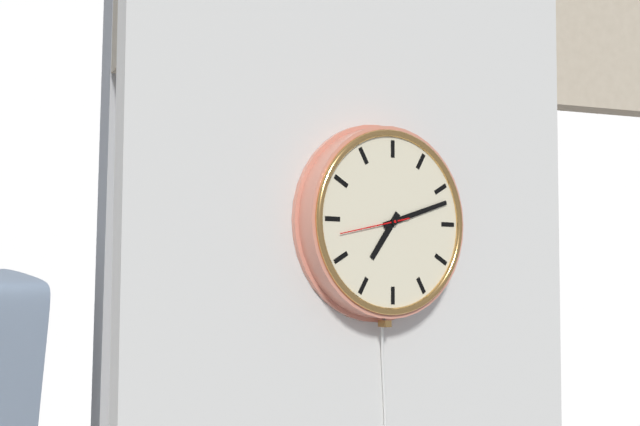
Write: 7:12:43
